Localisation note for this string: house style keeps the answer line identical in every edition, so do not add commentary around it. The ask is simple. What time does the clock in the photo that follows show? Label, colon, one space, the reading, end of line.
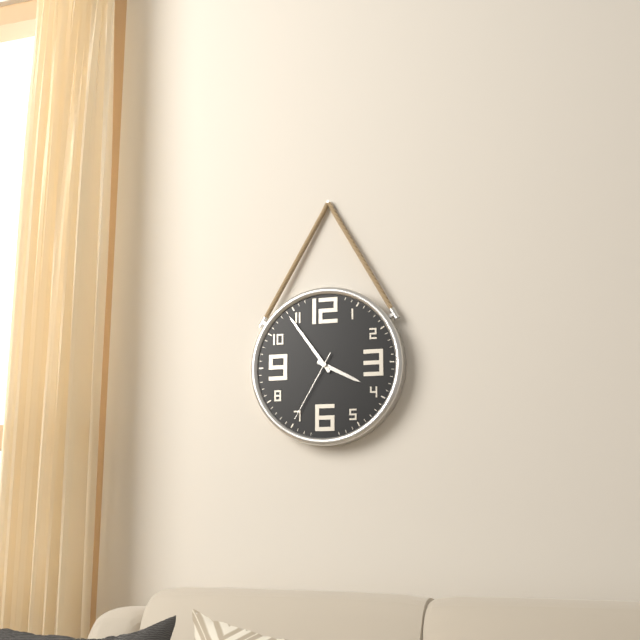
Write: 3:54:35
